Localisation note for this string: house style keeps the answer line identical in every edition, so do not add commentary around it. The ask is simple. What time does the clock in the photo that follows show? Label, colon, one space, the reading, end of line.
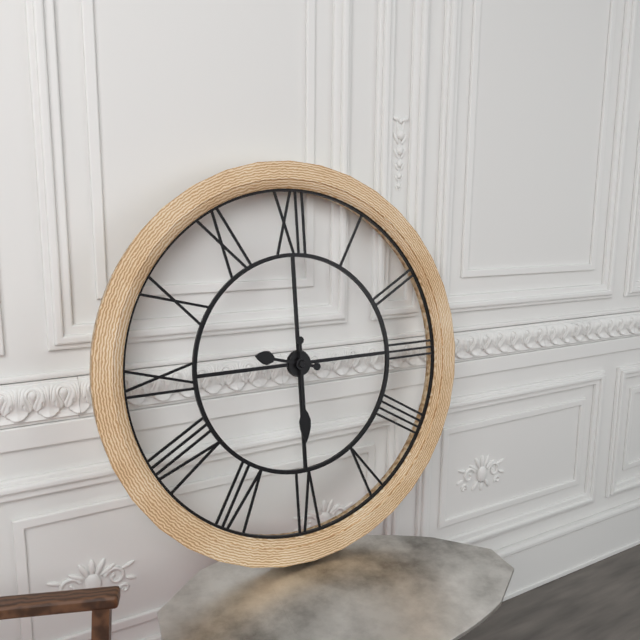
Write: 9:30
